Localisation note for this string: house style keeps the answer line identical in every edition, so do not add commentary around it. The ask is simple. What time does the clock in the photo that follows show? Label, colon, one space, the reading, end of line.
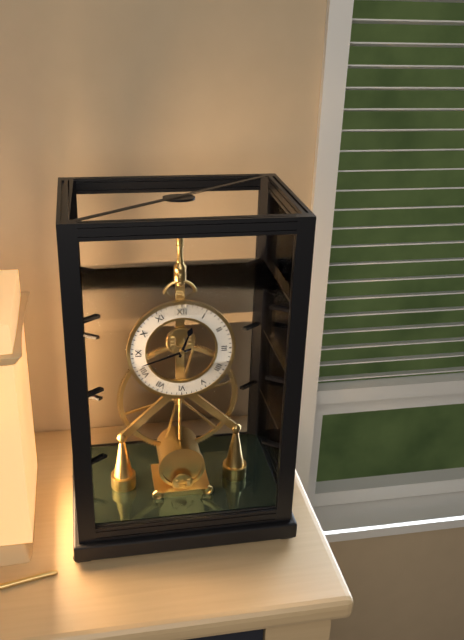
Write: 12:42
